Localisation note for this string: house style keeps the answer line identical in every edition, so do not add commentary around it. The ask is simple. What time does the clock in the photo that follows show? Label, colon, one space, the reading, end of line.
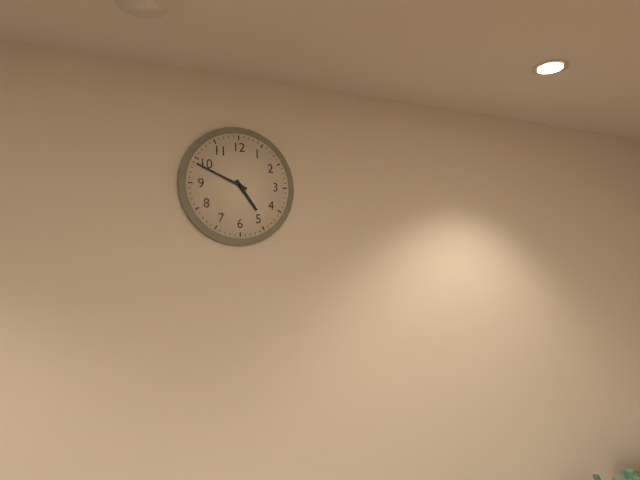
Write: 4:49
